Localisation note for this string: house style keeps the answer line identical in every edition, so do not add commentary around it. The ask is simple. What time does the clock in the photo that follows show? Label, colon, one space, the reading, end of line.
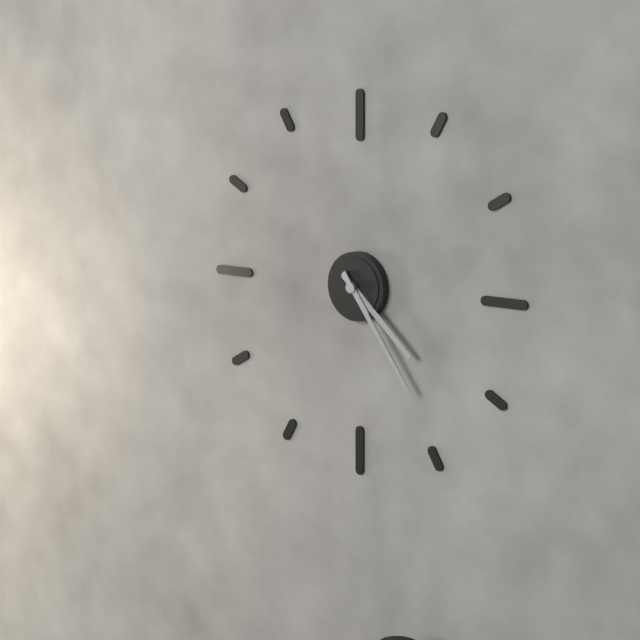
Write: 4:24
